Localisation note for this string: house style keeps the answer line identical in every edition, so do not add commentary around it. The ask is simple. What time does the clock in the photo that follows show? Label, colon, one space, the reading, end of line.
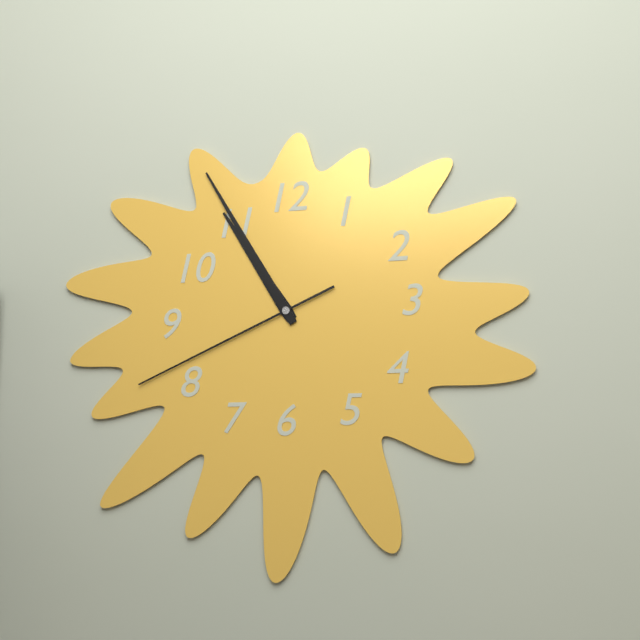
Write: 10:55:41
